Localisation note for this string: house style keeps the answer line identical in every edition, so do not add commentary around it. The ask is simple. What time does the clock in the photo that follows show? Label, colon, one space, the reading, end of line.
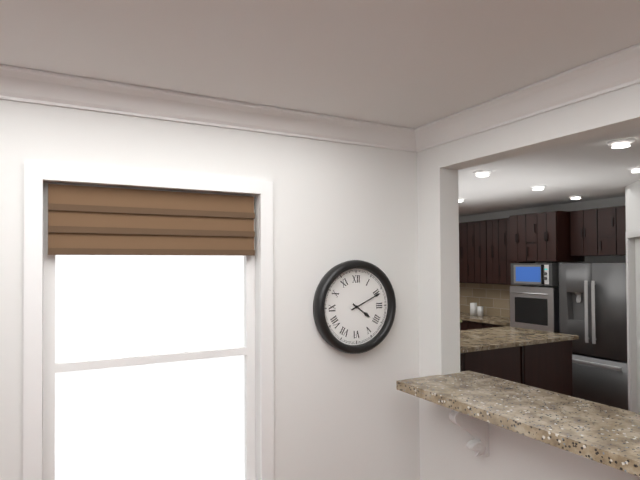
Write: 4:11
